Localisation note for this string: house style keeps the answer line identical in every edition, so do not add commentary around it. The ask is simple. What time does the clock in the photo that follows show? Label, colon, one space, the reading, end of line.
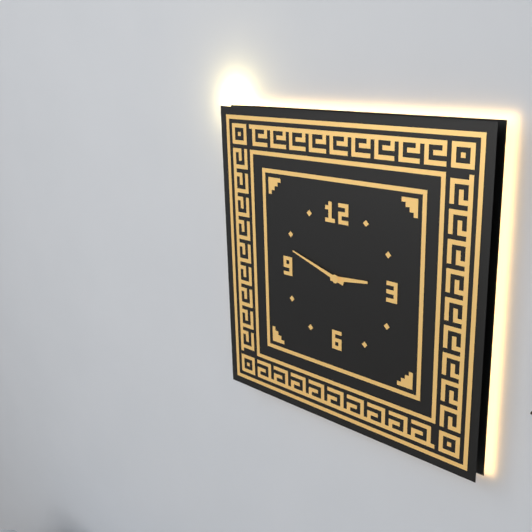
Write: 2:48
